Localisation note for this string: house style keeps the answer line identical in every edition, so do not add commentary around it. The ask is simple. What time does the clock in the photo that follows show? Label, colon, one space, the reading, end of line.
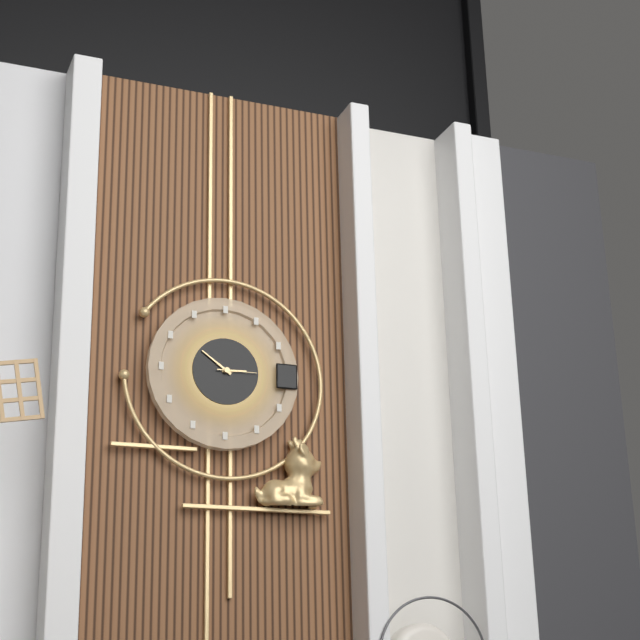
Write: 2:51
